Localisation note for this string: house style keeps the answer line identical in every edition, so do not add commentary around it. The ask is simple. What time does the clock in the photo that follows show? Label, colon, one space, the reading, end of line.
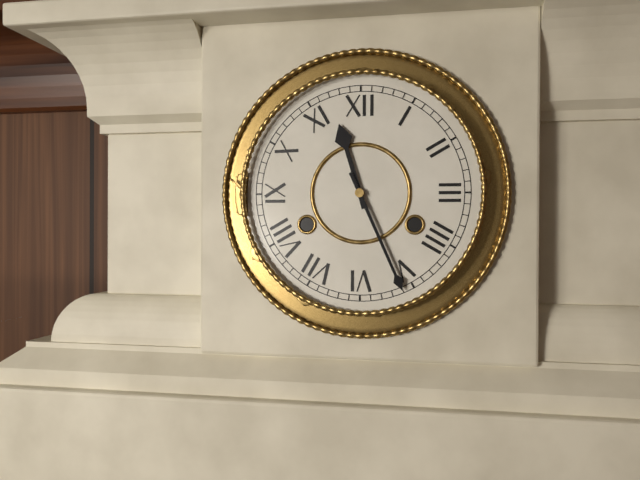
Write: 11:26
